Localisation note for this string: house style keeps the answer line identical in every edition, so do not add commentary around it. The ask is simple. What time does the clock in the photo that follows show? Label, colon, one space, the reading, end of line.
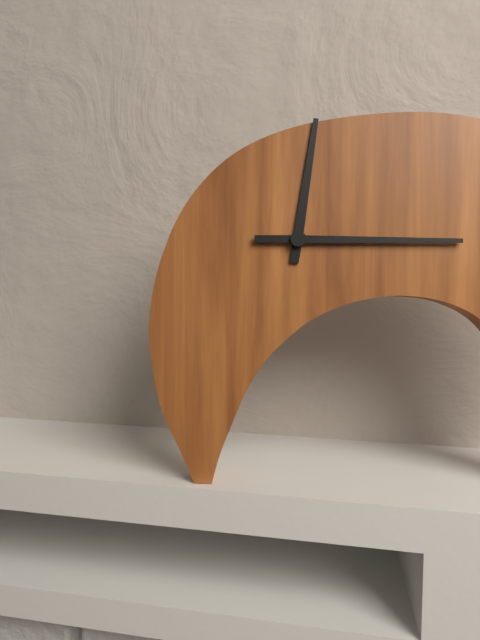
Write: 12:15
